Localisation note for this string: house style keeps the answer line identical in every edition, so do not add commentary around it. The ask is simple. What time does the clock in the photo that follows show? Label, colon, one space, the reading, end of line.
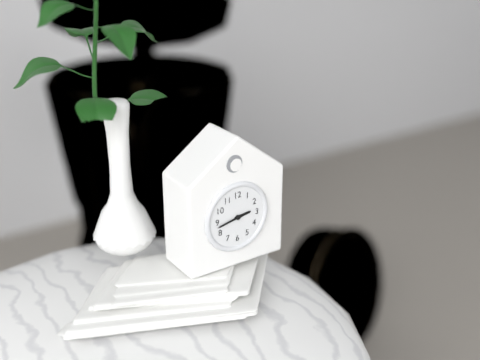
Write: 2:43
